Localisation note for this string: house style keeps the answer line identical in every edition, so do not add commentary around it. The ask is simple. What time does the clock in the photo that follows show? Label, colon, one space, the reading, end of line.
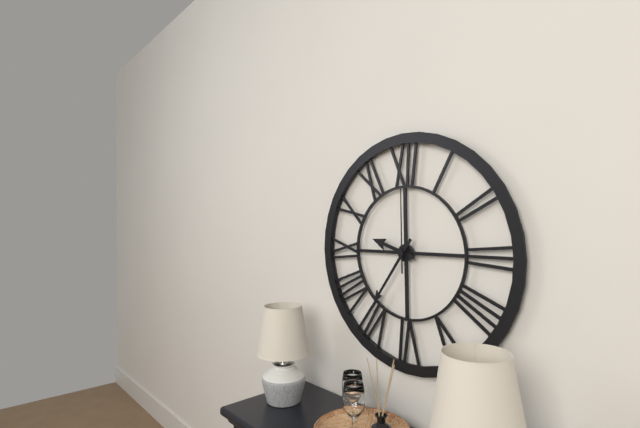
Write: 9:36:00
